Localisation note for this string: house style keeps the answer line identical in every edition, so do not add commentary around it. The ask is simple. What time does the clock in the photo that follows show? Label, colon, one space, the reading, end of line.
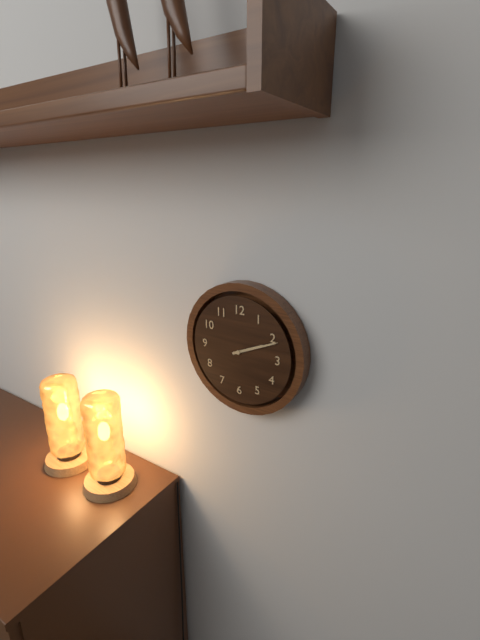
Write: 2:11
